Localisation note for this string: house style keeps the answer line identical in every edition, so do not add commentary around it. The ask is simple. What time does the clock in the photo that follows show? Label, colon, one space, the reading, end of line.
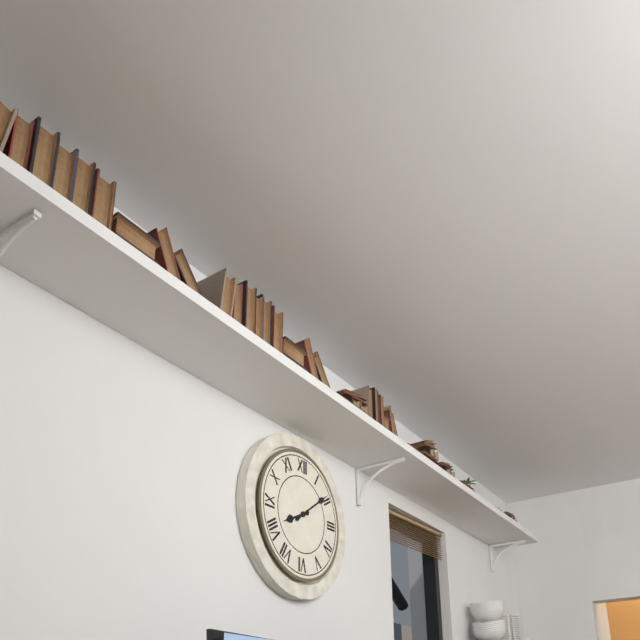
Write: 8:09
